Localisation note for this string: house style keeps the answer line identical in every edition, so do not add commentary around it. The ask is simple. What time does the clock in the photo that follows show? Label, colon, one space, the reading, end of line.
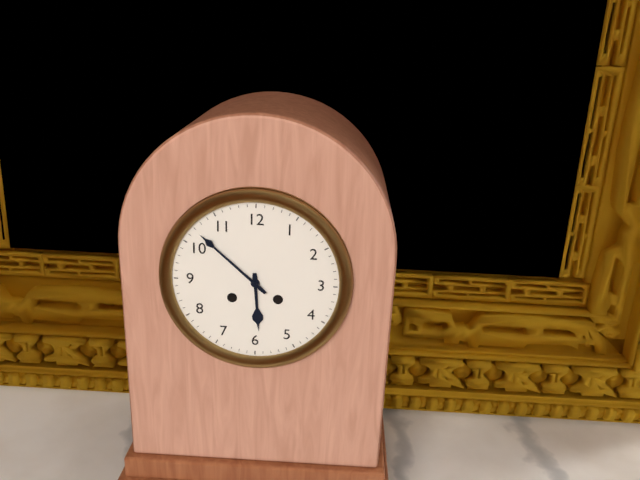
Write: 5:52
